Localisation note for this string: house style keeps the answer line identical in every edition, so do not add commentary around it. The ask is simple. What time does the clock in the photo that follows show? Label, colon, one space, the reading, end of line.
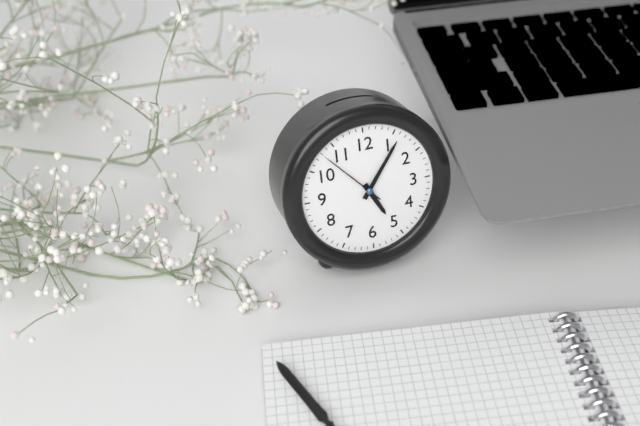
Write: 5:06:53
